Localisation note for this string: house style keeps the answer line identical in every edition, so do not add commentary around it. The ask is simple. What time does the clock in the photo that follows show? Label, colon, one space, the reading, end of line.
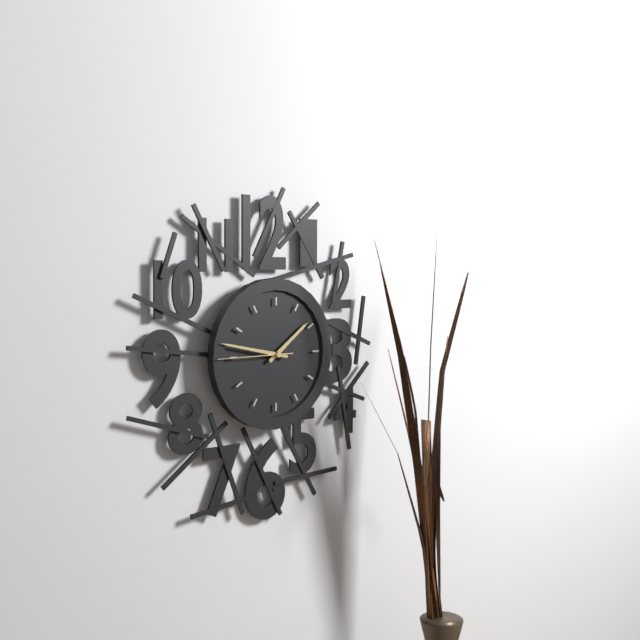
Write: 1:47:45
